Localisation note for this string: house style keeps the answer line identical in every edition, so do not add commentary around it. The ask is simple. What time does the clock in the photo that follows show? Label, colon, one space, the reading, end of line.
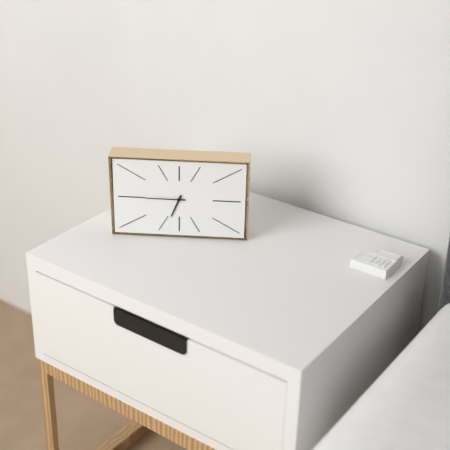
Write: 6:45
